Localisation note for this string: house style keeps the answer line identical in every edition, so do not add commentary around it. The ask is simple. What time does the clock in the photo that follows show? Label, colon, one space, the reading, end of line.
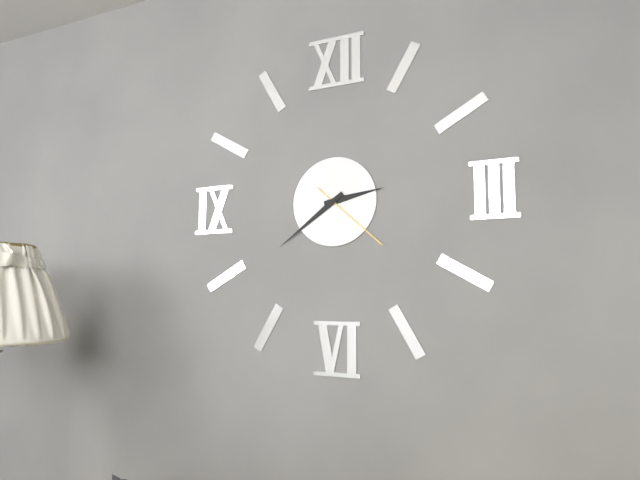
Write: 2:39:22
